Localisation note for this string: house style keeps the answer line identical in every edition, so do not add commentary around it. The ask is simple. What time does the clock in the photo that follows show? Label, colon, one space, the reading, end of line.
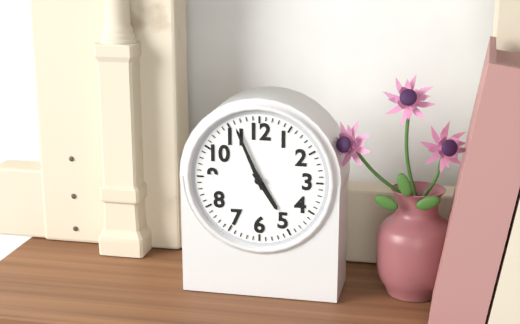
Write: 4:56
